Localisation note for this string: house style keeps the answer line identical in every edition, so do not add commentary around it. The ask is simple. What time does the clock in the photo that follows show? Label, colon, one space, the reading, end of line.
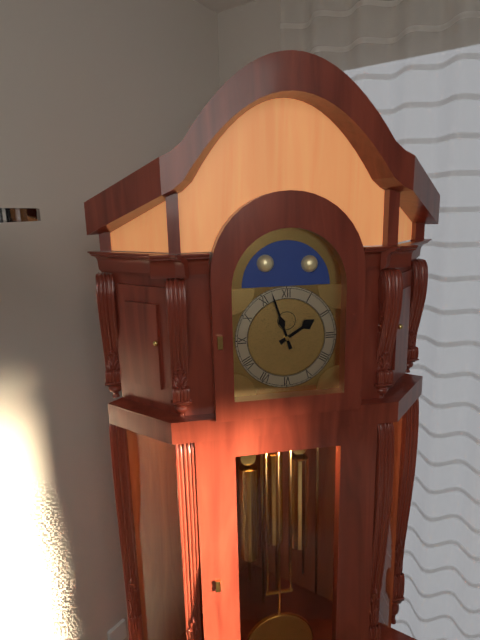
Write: 1:57
